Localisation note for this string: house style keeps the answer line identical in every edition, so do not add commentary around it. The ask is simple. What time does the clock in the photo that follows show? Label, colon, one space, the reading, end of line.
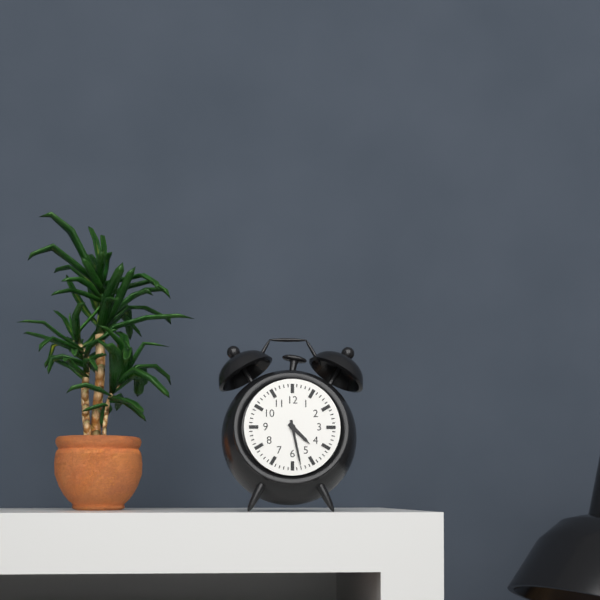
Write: 4:28
